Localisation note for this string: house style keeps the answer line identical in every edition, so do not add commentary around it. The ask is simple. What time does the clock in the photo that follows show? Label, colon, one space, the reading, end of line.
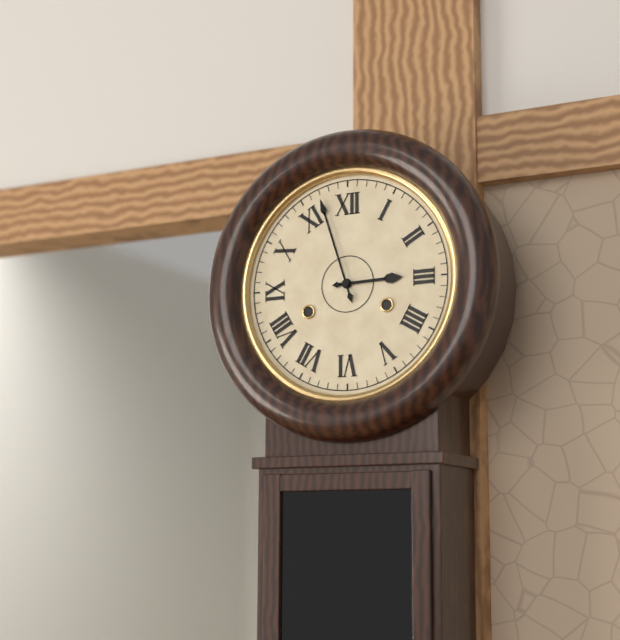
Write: 2:57
